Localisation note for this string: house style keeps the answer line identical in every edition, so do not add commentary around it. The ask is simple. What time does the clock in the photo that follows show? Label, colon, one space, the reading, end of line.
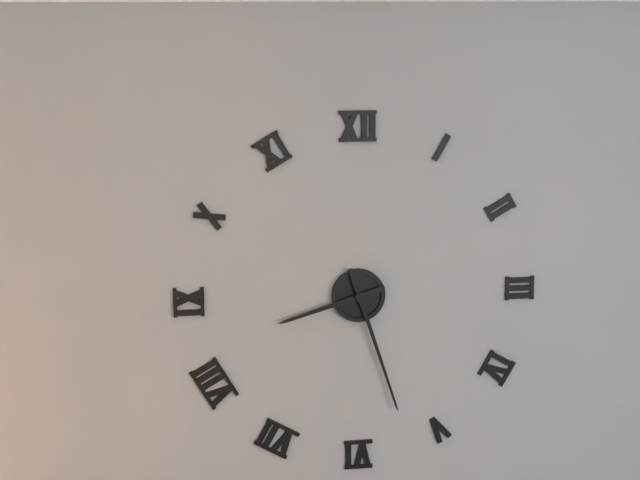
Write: 8:27
